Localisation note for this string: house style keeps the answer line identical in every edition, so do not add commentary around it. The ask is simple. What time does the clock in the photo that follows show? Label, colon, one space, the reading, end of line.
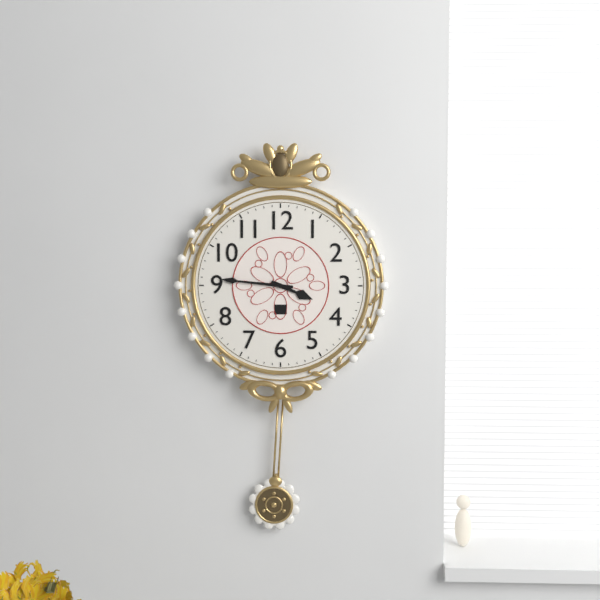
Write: 3:46
